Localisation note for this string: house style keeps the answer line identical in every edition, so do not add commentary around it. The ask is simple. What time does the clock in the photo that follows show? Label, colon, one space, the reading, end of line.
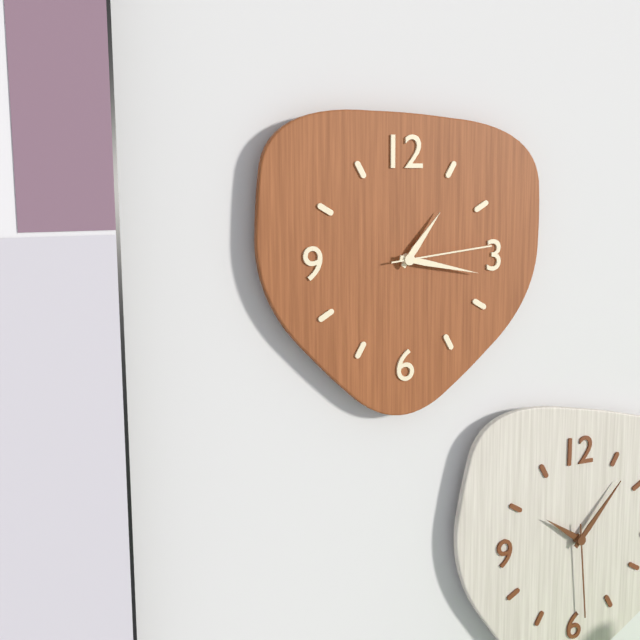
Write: 1:17:14
